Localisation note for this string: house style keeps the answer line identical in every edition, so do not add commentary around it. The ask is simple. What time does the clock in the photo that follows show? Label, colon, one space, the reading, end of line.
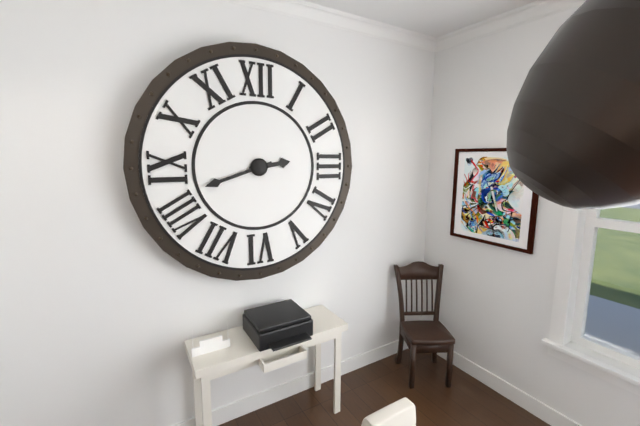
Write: 2:42
